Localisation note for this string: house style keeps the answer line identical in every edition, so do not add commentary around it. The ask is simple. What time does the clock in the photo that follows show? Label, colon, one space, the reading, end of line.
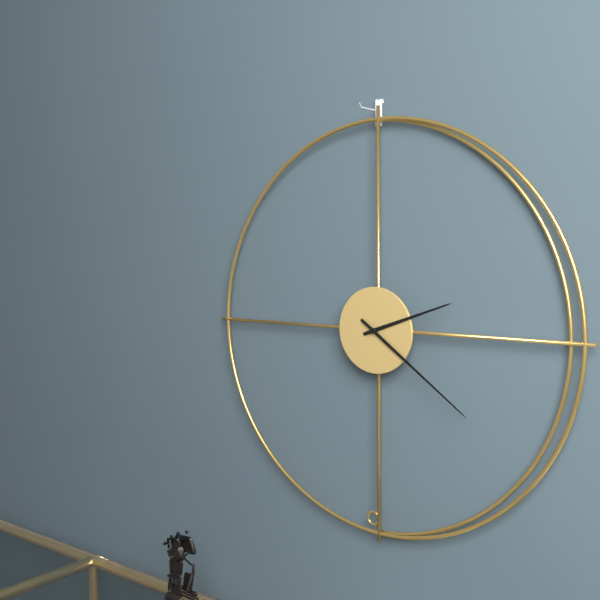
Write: 2:21
